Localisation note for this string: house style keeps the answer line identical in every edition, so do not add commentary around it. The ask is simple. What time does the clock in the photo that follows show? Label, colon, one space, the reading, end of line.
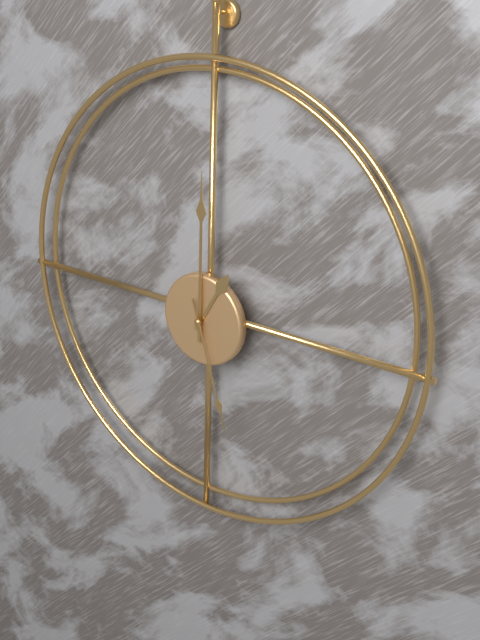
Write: 1:00:27
